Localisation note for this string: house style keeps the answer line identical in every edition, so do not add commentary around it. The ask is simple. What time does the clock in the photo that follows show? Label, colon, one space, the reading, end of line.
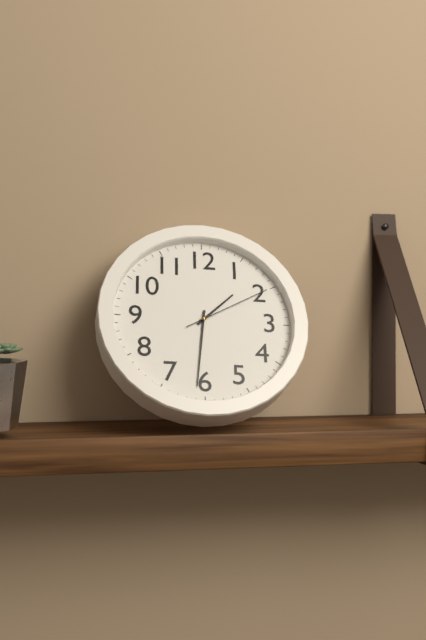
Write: 1:31:10
